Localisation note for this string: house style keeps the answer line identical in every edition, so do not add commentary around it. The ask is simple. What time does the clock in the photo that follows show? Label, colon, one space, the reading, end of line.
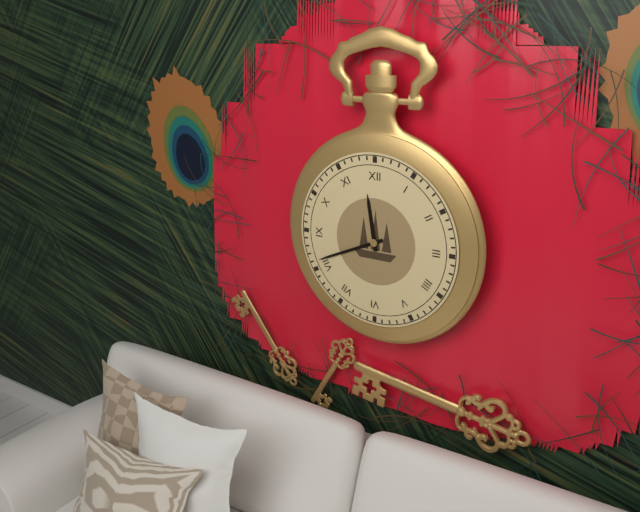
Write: 11:41
